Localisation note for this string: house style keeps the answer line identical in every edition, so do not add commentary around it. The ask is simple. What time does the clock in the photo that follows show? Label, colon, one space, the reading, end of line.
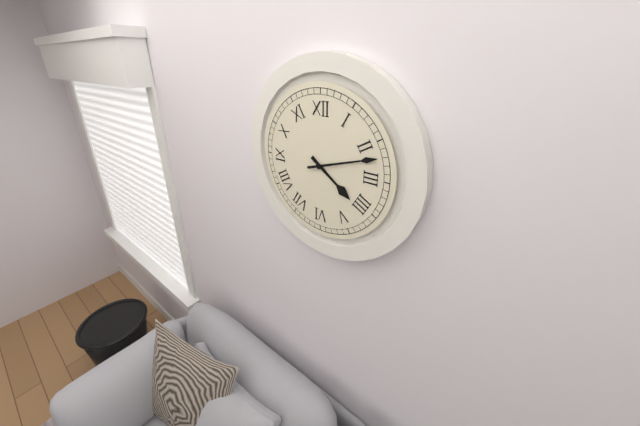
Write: 4:12
